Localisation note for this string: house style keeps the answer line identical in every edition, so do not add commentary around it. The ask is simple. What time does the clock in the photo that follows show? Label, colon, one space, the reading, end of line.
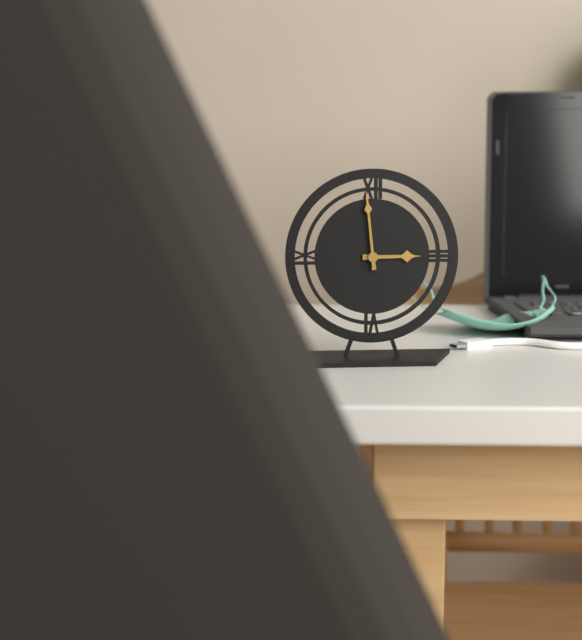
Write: 2:59
